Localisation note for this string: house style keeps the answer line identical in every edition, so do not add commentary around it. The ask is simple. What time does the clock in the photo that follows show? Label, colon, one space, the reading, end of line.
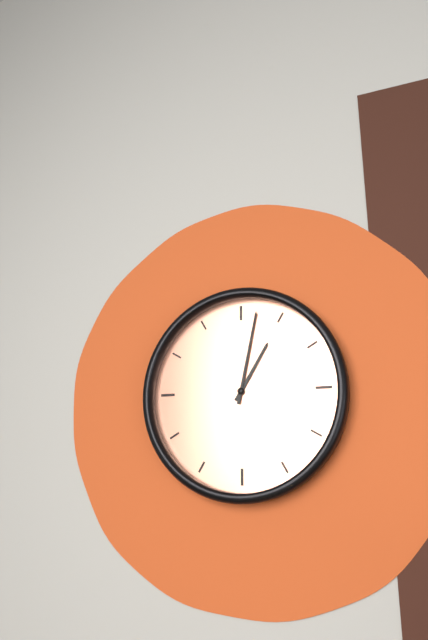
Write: 1:02
